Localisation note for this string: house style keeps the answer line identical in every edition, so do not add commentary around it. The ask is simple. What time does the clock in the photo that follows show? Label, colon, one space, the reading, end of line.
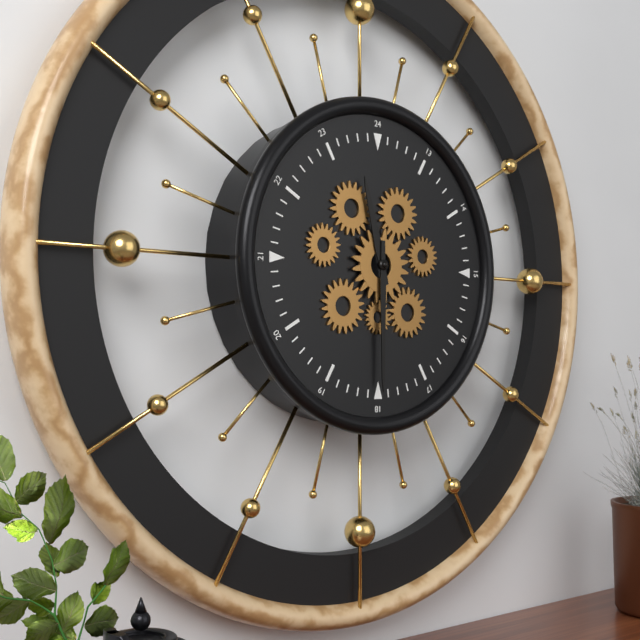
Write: 11:30
